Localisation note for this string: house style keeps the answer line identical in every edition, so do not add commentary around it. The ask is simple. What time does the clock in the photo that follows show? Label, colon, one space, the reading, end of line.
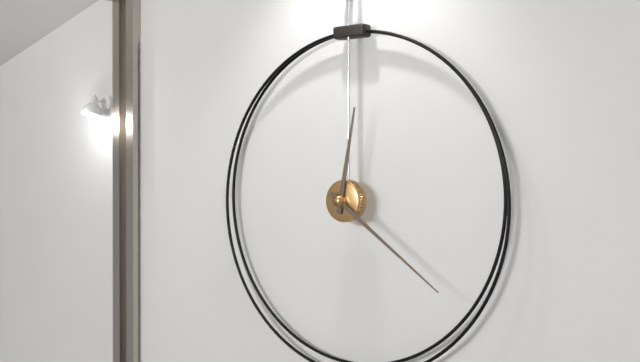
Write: 12:21
